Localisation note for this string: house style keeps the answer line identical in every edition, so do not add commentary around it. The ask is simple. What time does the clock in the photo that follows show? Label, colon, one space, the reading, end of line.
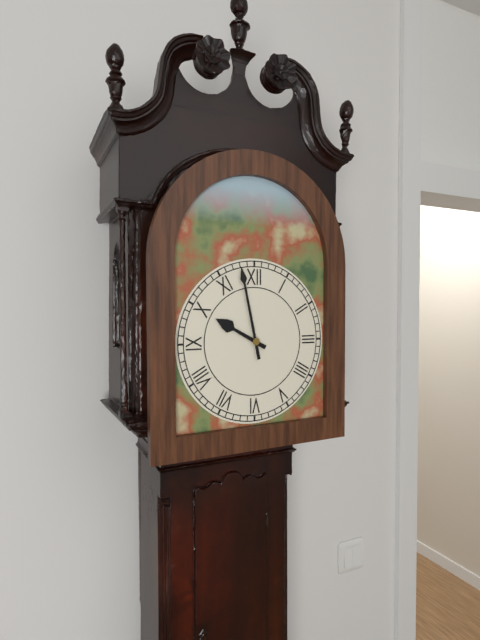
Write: 9:58
